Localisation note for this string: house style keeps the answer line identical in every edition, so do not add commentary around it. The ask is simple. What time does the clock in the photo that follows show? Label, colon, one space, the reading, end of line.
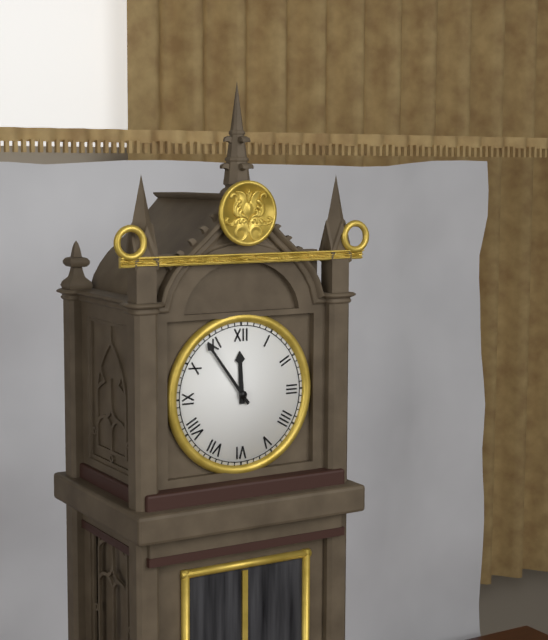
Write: 11:54
